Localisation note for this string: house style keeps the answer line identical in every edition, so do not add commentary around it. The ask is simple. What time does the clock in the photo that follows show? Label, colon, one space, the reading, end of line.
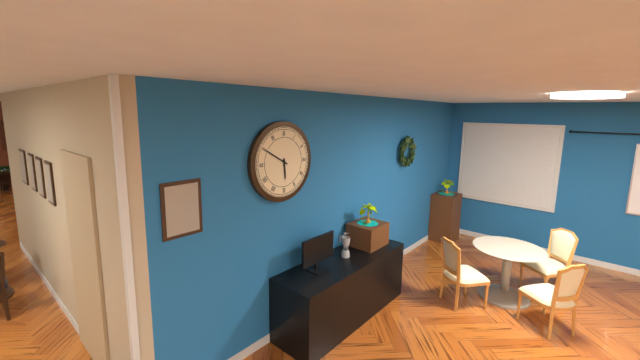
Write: 5:50
